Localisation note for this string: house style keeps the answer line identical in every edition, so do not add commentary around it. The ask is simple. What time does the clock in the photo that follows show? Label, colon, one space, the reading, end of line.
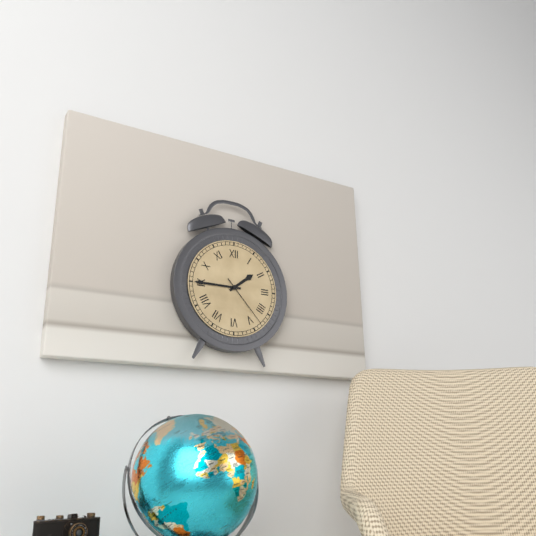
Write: 1:45:23
